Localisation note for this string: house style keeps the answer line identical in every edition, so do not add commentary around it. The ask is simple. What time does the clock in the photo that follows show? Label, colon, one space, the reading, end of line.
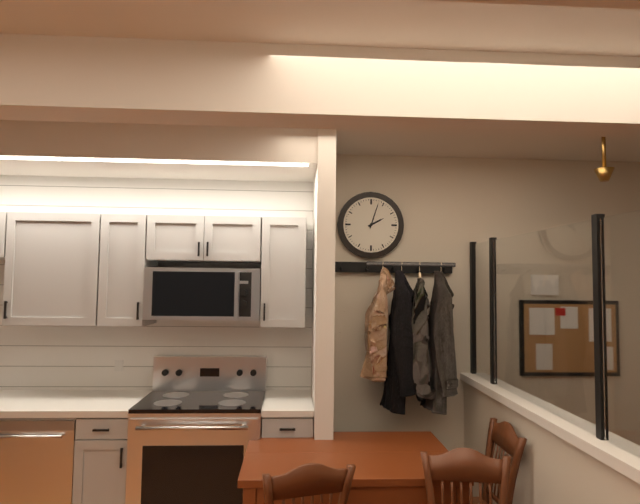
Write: 2:03
